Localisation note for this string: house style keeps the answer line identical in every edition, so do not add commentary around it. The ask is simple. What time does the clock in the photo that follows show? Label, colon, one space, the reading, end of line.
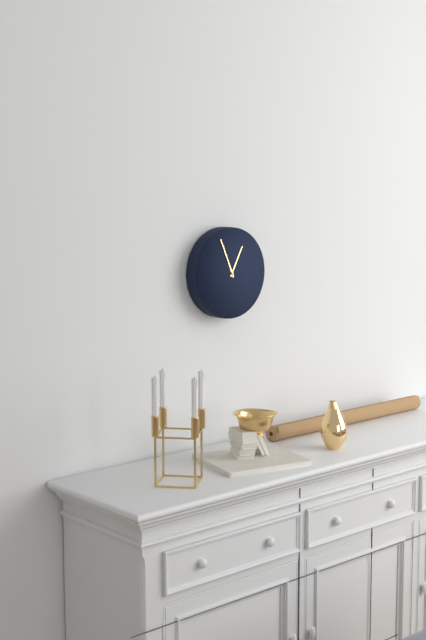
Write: 12:56
